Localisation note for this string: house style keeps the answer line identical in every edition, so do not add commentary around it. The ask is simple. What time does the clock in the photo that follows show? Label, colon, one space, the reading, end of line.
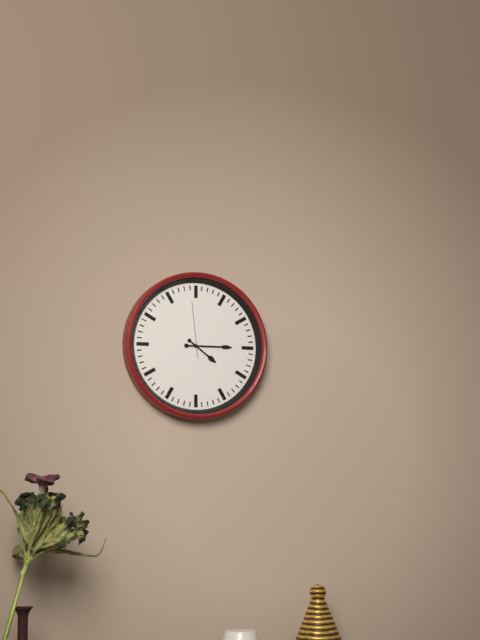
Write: 4:15:59
